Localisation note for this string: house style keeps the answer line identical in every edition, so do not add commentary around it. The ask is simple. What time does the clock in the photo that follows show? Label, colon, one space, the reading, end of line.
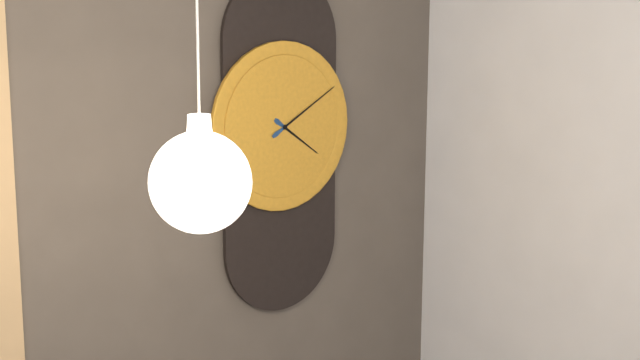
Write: 4:10
